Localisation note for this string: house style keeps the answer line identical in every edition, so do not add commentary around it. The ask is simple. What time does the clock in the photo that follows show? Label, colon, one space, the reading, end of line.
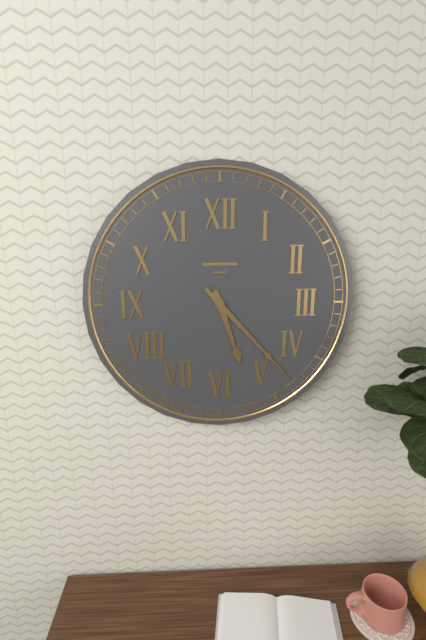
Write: 5:23
